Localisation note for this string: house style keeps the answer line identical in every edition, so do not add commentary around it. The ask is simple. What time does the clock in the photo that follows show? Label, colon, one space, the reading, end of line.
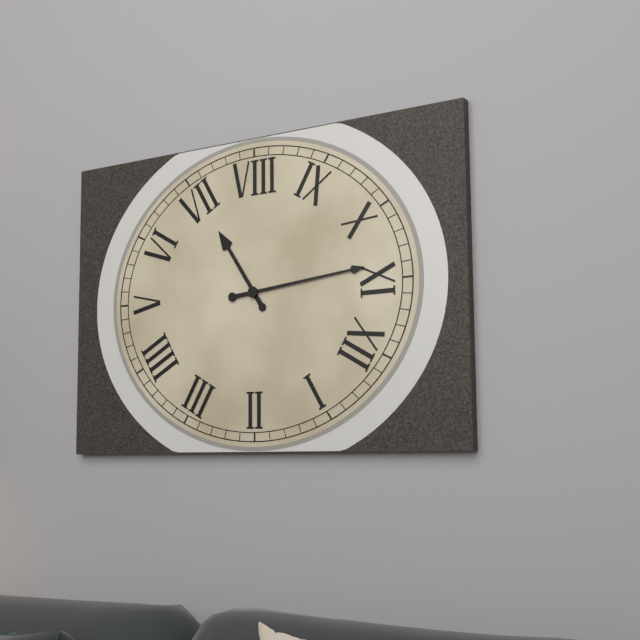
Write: 6:54
